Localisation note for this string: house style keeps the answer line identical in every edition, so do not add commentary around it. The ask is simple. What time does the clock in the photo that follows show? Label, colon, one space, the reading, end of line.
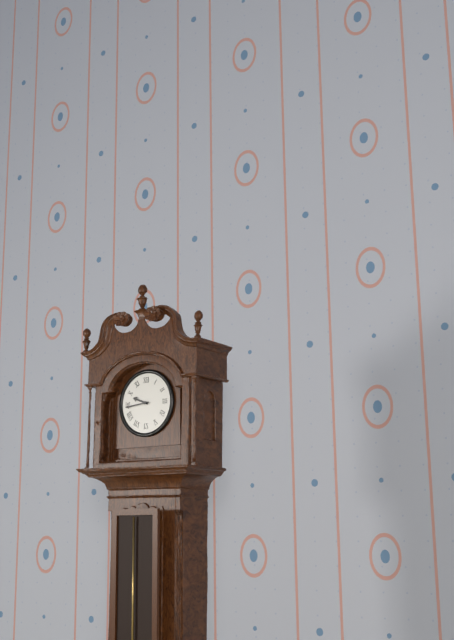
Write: 9:44
